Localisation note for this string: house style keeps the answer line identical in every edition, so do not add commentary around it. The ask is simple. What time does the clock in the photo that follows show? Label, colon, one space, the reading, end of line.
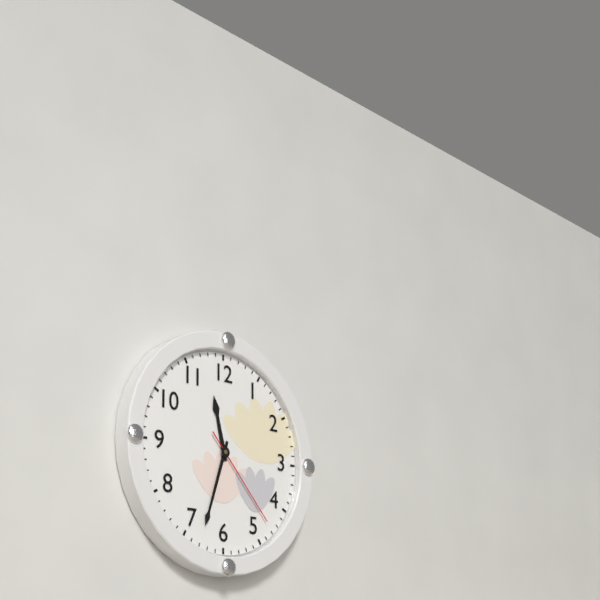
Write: 11:33:23
